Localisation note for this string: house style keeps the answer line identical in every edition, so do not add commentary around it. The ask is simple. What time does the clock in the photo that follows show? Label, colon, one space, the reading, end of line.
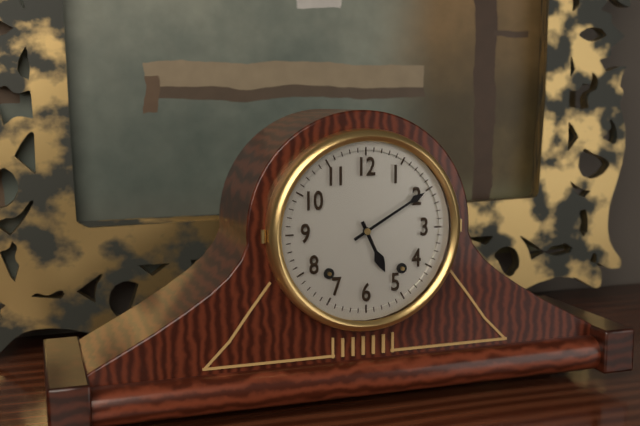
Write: 5:10
